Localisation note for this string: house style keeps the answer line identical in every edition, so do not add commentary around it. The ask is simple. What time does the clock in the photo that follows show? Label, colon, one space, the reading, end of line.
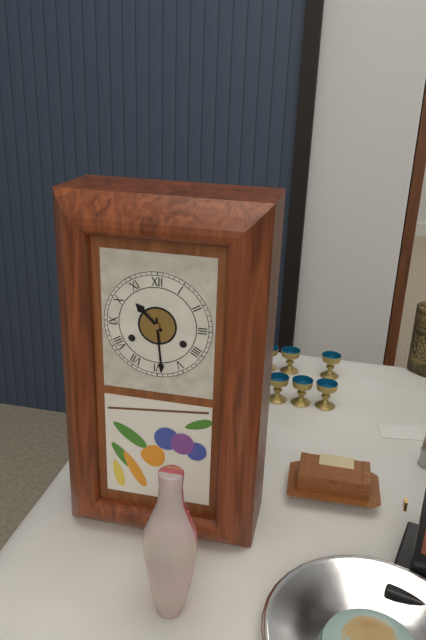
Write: 10:29
